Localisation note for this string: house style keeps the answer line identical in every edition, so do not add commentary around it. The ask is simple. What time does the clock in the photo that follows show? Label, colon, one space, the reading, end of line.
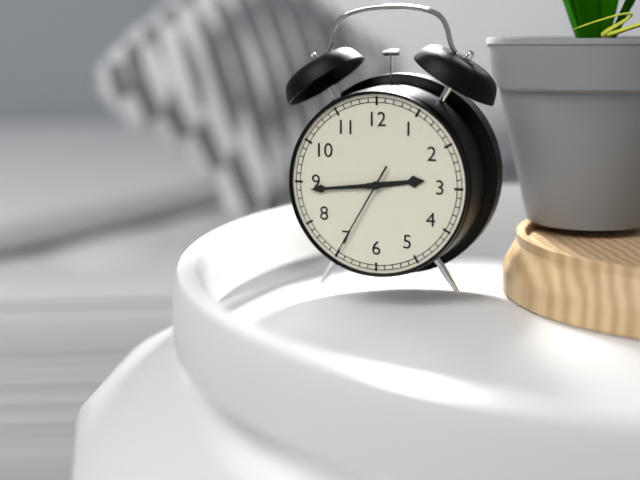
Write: 2:44:35
